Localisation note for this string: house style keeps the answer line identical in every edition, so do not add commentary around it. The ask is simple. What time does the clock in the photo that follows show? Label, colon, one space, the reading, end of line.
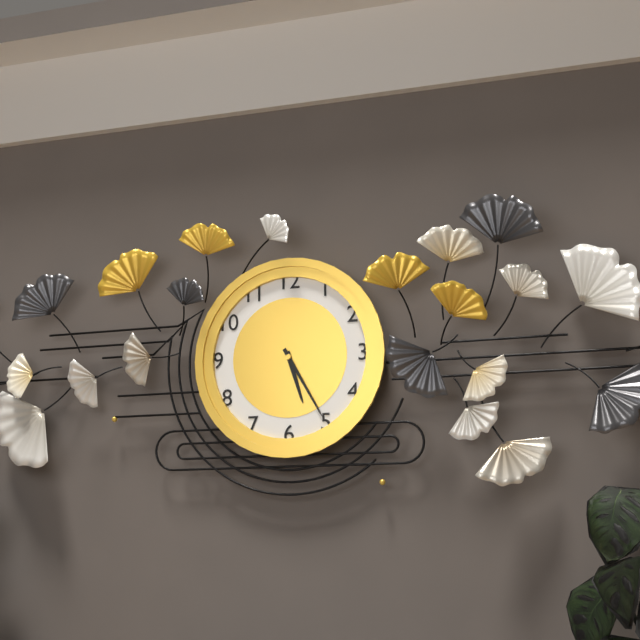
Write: 5:25
